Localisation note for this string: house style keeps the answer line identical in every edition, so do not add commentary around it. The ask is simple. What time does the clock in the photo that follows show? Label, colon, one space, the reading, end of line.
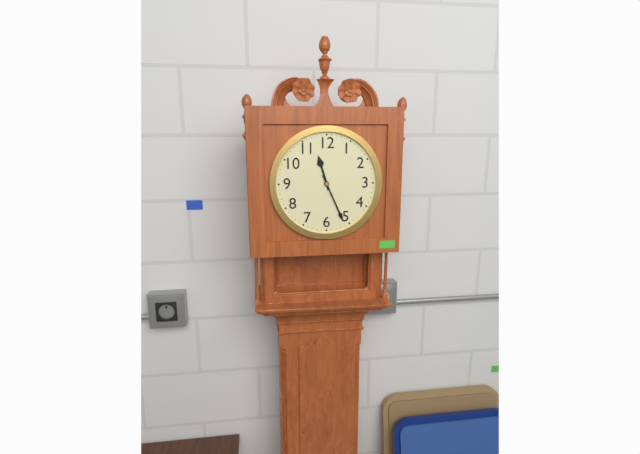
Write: 11:26
